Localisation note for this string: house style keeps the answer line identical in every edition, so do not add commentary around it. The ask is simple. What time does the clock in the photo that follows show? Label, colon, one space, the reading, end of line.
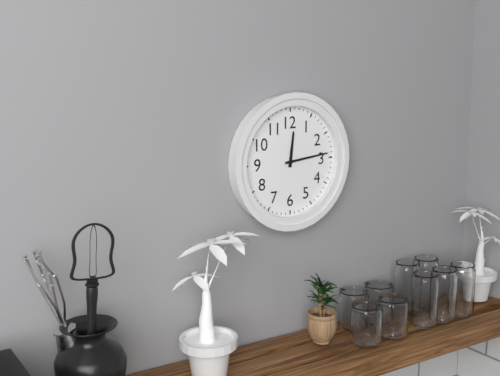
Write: 12:14
